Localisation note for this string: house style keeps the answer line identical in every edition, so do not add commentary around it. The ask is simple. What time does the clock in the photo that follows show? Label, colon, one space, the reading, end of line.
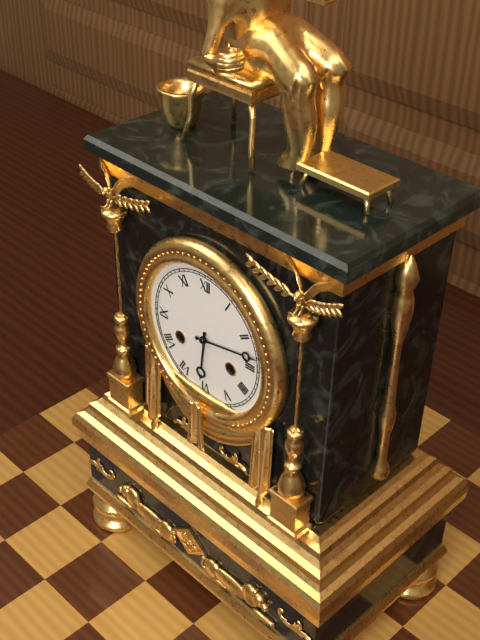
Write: 6:13
